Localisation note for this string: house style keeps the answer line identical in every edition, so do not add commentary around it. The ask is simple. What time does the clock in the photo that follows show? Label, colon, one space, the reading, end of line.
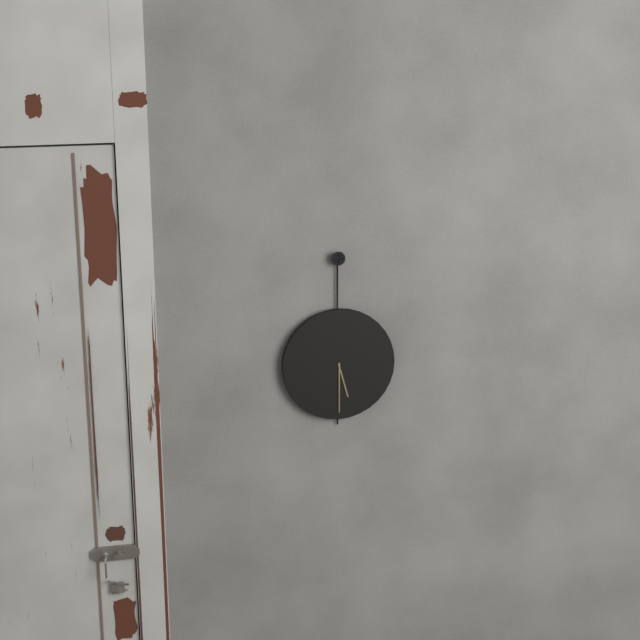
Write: 5:30
